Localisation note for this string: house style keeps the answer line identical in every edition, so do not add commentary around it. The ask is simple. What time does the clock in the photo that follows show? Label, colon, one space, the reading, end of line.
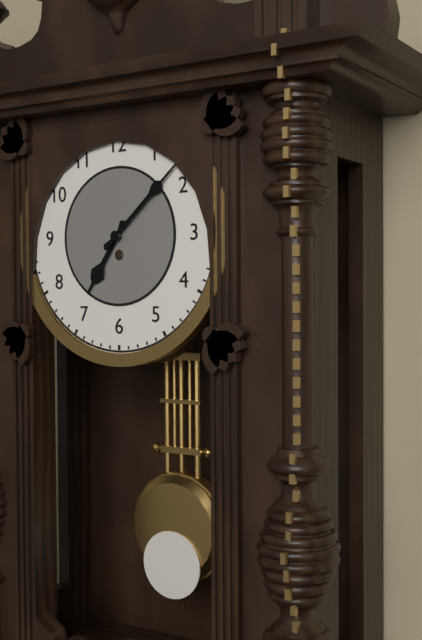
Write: 7:08
